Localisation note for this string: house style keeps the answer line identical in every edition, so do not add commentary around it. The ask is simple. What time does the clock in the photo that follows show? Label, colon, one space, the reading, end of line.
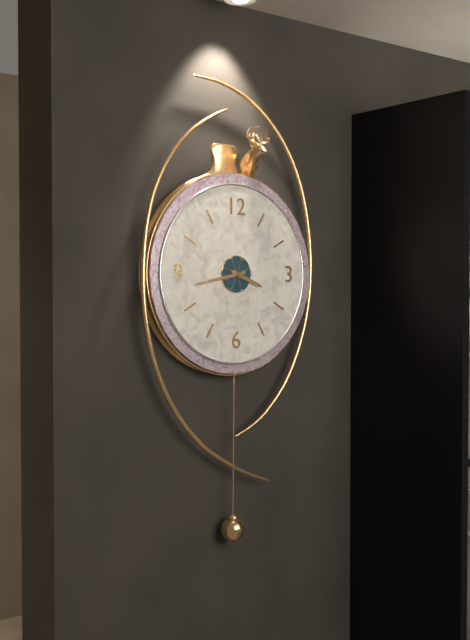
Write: 3:43
